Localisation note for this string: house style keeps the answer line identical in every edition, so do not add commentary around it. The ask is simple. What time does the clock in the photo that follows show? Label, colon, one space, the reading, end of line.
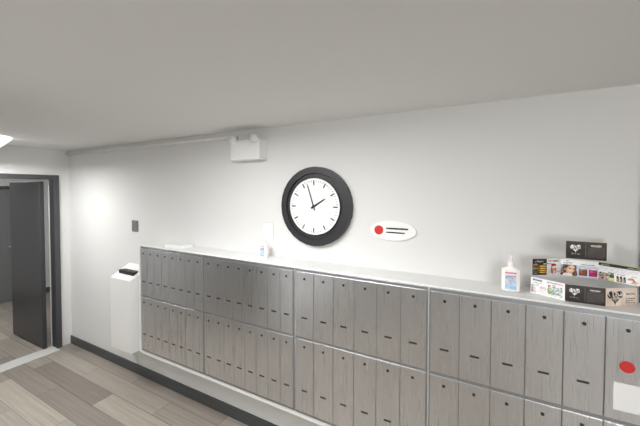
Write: 1:57
